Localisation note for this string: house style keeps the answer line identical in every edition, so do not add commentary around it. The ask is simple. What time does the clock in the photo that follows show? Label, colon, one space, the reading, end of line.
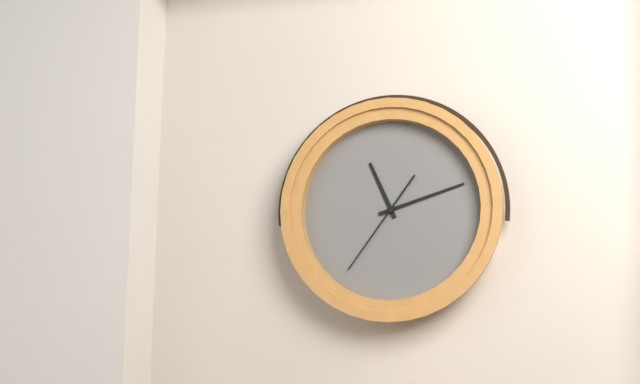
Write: 11:12:36
